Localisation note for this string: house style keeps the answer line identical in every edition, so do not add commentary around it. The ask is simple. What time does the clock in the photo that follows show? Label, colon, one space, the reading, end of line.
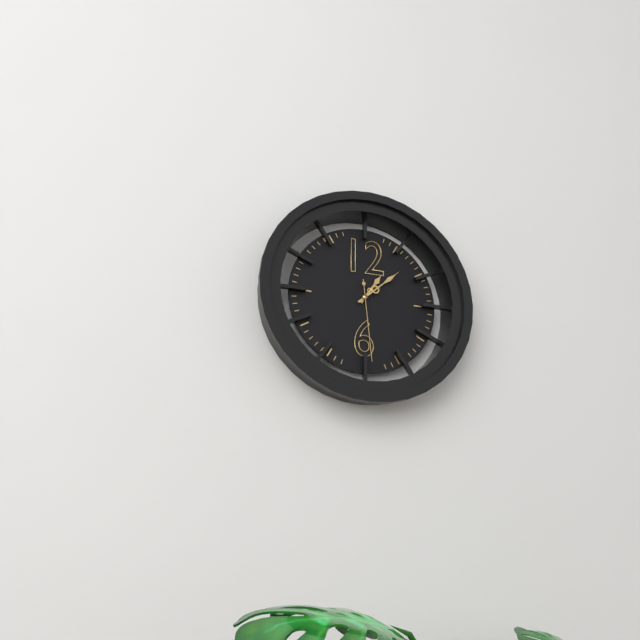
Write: 1:08:29
